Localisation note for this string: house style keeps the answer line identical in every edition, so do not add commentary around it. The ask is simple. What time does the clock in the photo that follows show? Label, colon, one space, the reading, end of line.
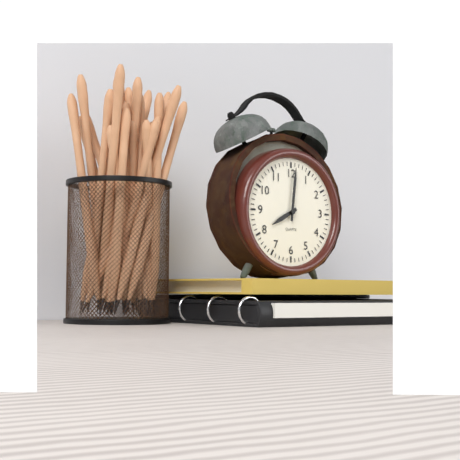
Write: 8:01
